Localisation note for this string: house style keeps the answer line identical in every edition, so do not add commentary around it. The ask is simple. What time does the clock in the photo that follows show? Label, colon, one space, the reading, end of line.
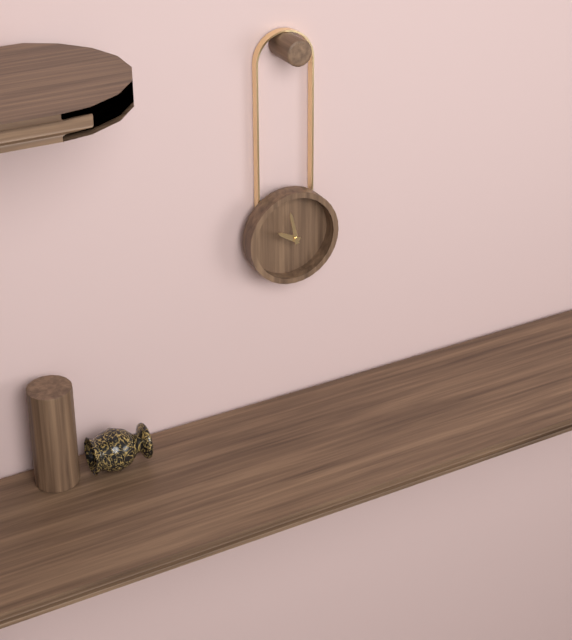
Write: 9:58
